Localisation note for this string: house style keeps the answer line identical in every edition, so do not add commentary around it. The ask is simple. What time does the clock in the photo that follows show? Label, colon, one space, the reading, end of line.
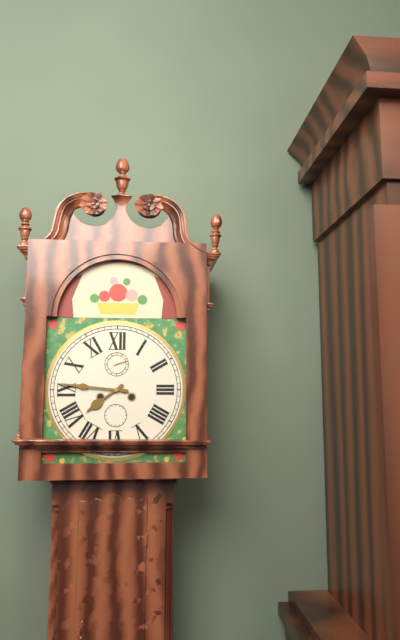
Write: 7:46
